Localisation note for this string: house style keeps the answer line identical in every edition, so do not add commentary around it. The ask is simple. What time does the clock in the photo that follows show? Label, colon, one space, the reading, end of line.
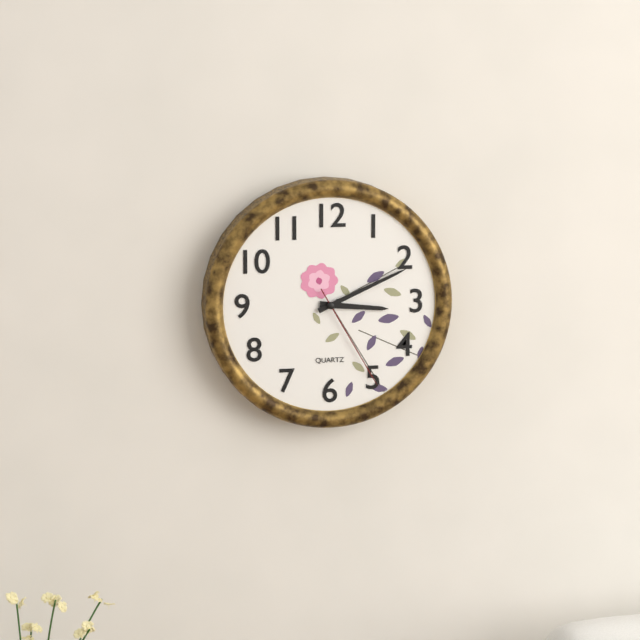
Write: 3:11:25
